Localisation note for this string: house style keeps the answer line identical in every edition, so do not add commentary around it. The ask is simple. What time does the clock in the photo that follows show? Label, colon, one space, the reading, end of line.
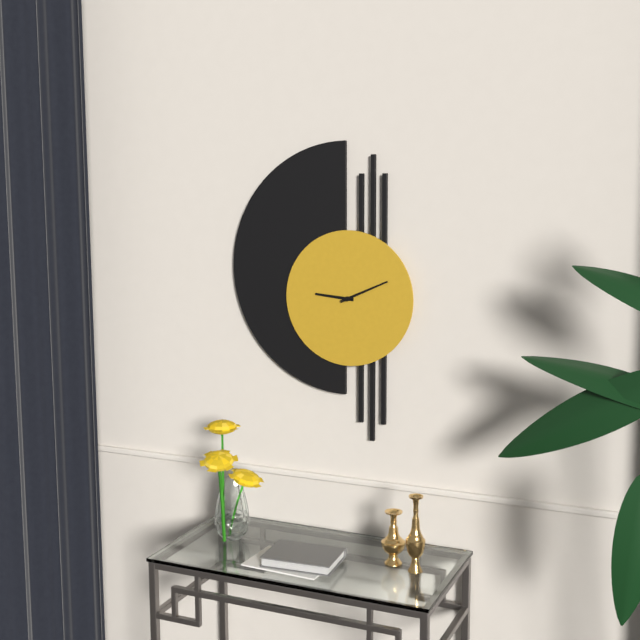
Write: 9:11
